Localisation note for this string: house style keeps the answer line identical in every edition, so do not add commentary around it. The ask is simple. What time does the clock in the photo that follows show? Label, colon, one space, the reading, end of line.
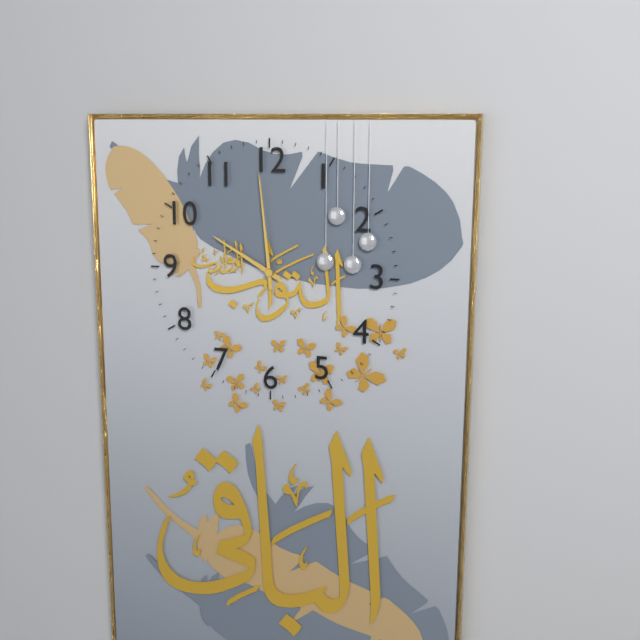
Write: 9:59
